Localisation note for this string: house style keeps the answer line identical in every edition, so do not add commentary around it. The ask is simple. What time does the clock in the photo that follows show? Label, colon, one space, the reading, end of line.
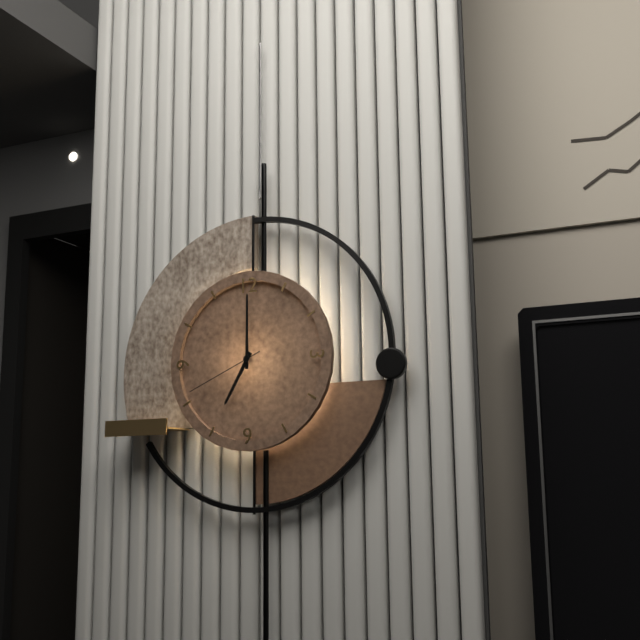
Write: 7:00:41
